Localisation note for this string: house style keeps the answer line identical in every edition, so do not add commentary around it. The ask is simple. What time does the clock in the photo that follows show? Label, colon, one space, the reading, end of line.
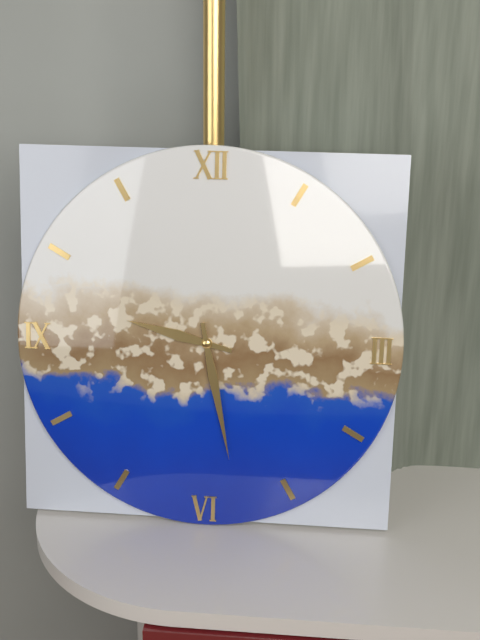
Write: 9:28
